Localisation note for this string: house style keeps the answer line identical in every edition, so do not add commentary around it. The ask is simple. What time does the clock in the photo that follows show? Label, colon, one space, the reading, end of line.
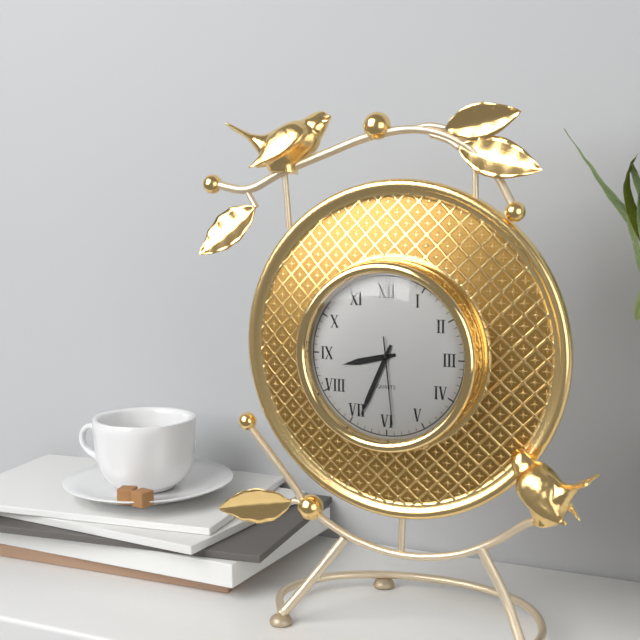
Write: 8:34:29
